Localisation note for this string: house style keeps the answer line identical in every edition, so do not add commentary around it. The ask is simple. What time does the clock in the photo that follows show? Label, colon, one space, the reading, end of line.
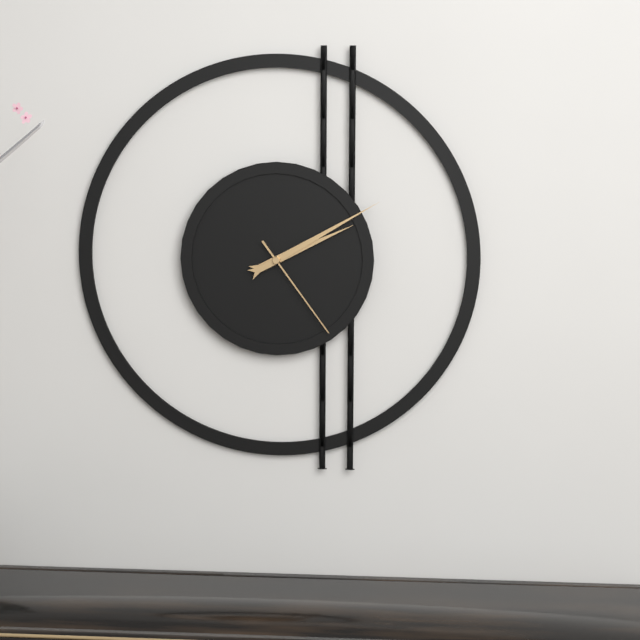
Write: 2:10:24
